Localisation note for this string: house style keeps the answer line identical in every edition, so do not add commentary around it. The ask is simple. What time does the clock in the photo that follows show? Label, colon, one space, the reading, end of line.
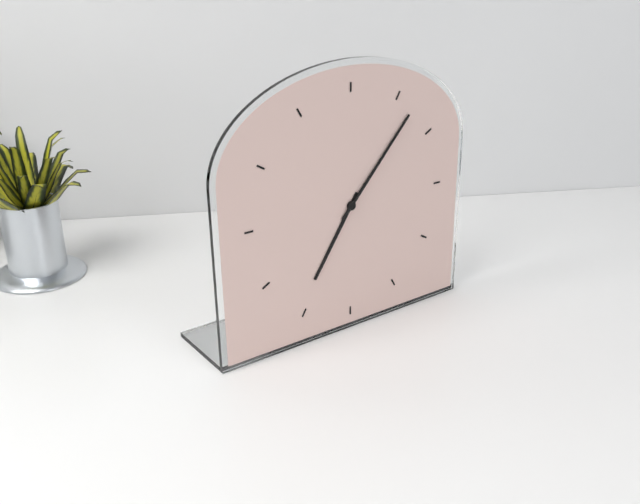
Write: 7:07
